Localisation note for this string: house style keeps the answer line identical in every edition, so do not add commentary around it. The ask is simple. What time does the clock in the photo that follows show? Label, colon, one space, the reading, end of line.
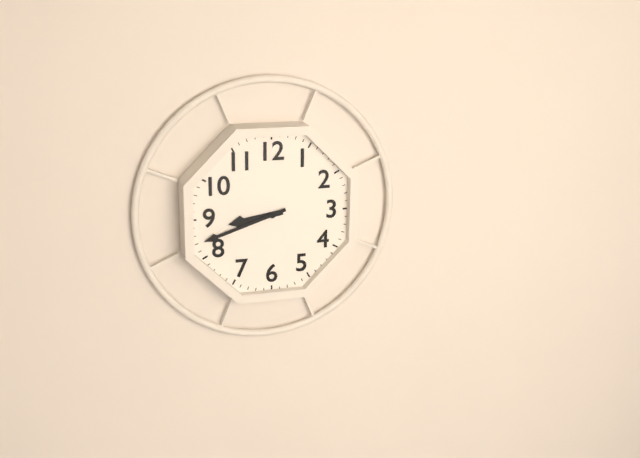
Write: 8:42
